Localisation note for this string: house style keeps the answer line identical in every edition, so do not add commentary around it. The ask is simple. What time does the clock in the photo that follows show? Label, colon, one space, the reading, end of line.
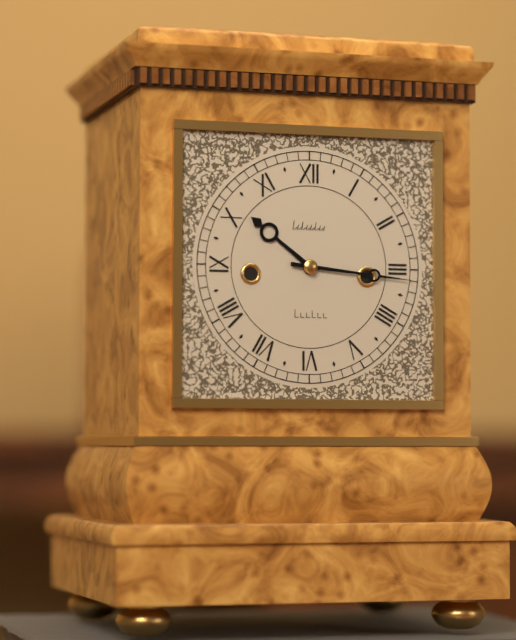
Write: 10:16
